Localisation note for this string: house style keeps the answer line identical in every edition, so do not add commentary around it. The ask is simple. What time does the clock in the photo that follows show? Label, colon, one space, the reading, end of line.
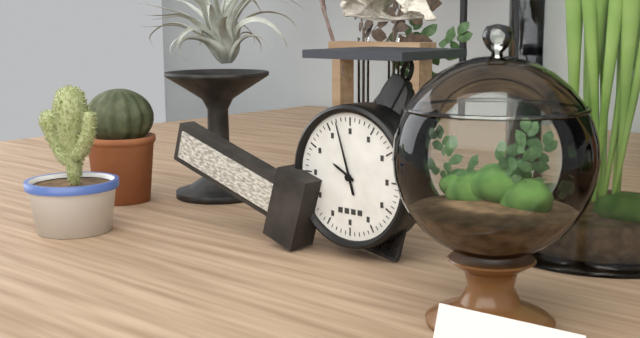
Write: 9:57
